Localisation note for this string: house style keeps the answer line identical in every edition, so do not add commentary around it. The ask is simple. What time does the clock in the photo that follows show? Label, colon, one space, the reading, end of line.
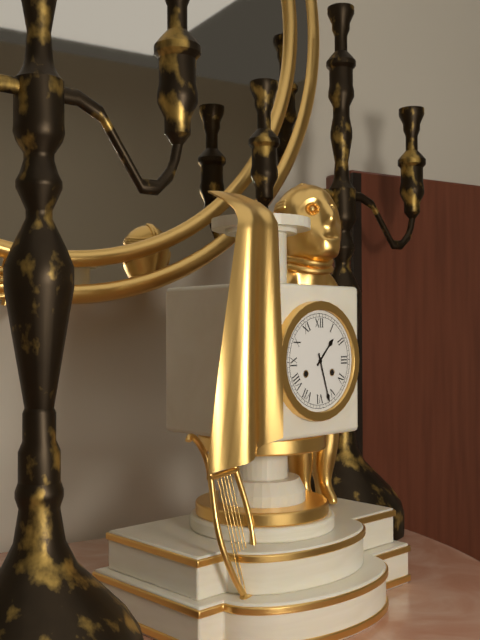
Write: 1:27
